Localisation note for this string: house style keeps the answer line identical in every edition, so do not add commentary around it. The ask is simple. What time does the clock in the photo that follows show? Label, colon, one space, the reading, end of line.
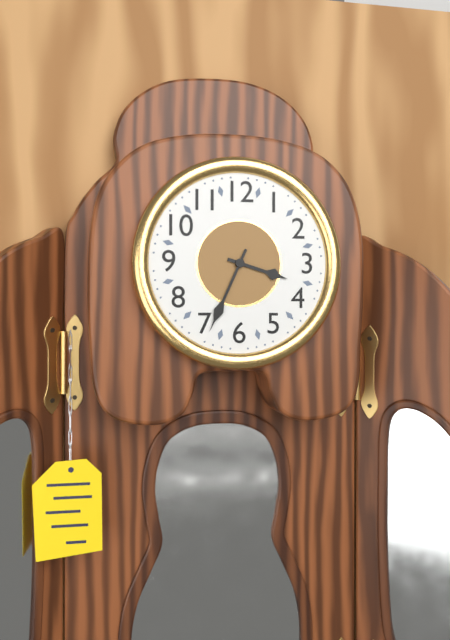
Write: 3:34
